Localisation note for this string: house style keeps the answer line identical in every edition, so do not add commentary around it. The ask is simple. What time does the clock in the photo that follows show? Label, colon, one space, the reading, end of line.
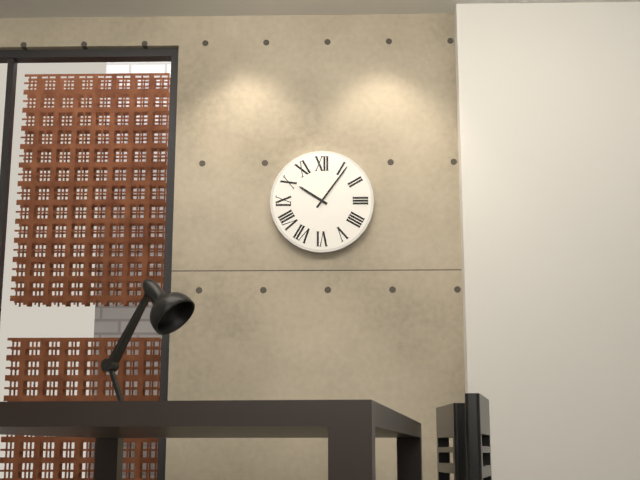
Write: 10:06
